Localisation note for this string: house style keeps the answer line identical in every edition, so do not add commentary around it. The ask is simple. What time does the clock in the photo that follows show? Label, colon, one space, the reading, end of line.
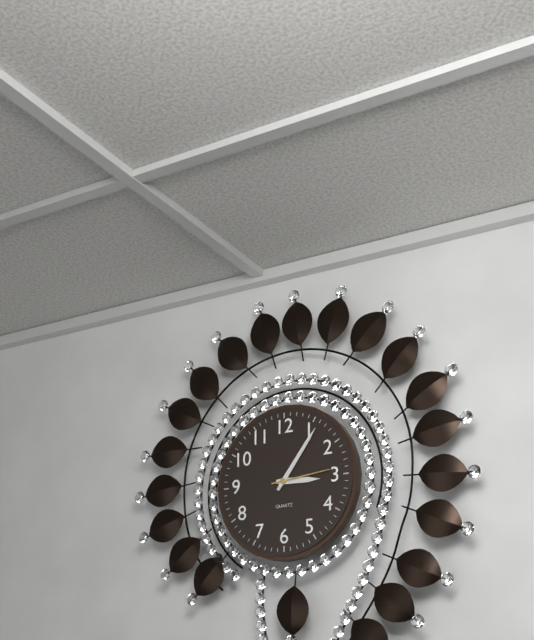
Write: 3:06:14
